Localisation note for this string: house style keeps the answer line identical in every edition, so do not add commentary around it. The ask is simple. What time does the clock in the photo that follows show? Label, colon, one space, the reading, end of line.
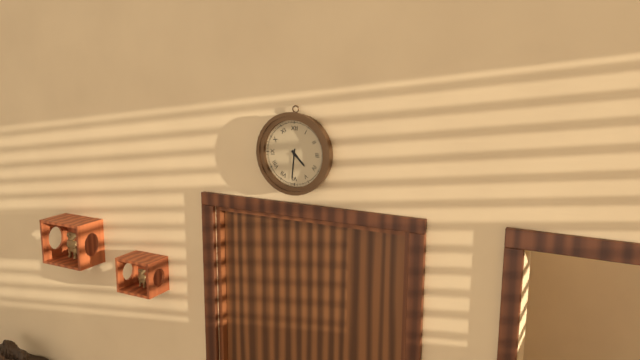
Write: 4:31
